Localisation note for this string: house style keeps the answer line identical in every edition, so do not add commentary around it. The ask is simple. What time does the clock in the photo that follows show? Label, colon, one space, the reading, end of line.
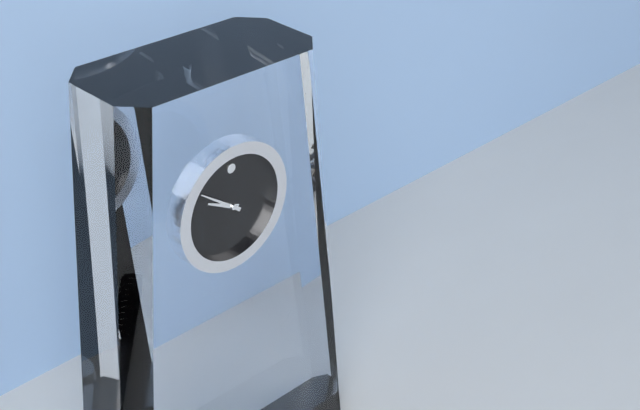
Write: 9:51
